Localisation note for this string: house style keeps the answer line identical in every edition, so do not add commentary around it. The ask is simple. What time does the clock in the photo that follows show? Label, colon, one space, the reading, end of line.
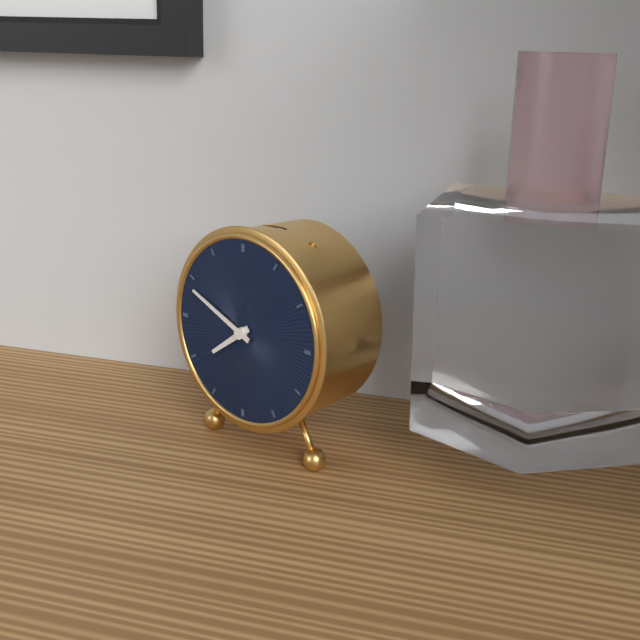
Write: 7:49
